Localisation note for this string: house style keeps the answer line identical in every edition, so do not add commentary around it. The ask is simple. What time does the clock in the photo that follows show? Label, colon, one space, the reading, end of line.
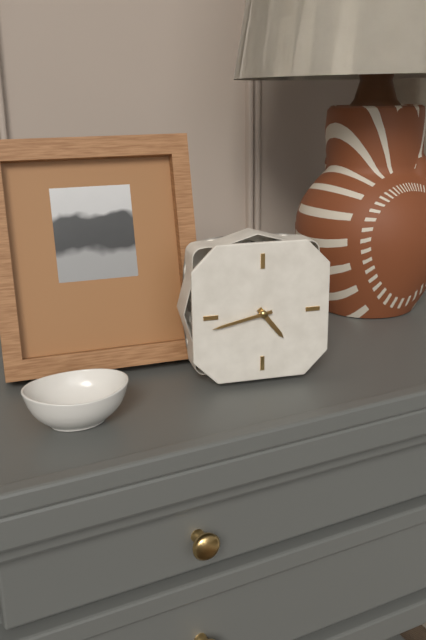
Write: 4:43
